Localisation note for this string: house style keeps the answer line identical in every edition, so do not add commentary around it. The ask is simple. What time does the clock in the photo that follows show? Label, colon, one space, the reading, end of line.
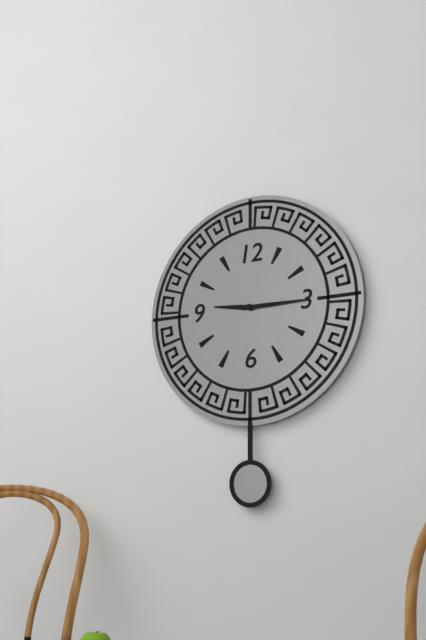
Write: 9:15
